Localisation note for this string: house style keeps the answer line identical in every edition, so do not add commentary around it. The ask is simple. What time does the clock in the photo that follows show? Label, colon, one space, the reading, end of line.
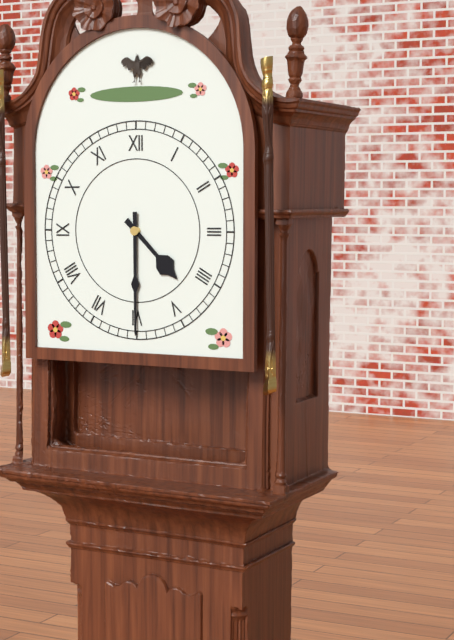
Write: 4:30
